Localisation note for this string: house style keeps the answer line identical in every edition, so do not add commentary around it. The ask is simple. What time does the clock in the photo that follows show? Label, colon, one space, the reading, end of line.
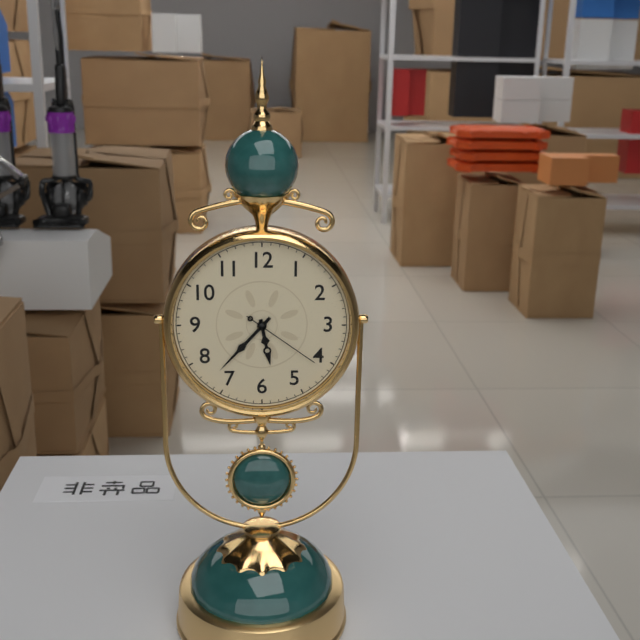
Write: 5:37:21
